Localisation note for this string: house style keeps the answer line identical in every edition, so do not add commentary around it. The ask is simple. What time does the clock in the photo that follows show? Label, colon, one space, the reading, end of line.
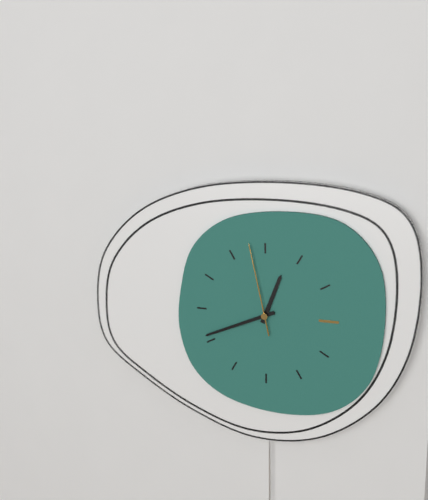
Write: 12:41:58
